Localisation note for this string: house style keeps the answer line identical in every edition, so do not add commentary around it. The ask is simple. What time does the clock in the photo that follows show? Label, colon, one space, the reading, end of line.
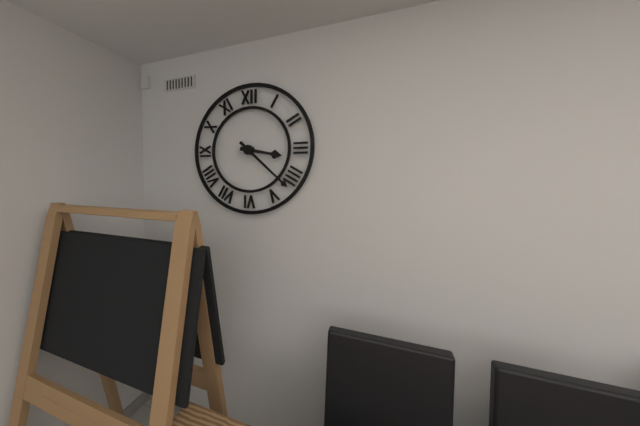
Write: 3:22
